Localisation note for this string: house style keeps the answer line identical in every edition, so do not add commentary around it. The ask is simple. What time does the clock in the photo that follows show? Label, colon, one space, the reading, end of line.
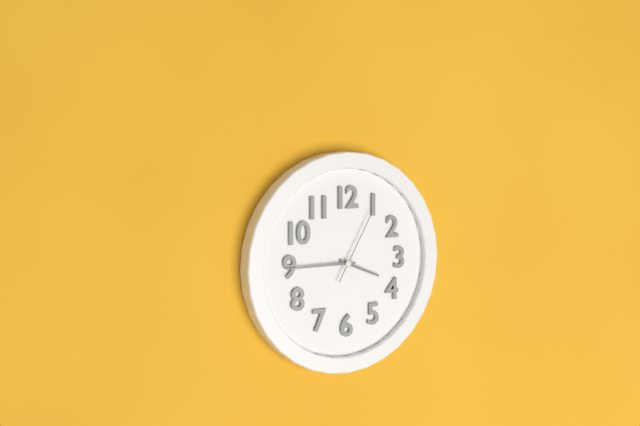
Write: 3:45:05
